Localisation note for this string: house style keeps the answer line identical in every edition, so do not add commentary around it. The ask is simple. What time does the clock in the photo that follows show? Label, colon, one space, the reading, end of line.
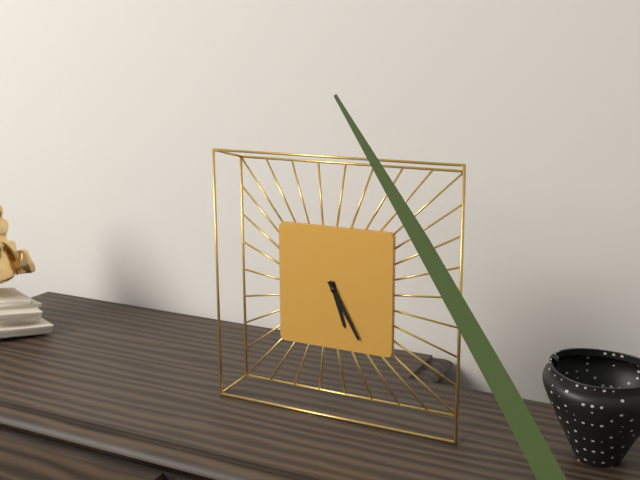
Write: 5:25
